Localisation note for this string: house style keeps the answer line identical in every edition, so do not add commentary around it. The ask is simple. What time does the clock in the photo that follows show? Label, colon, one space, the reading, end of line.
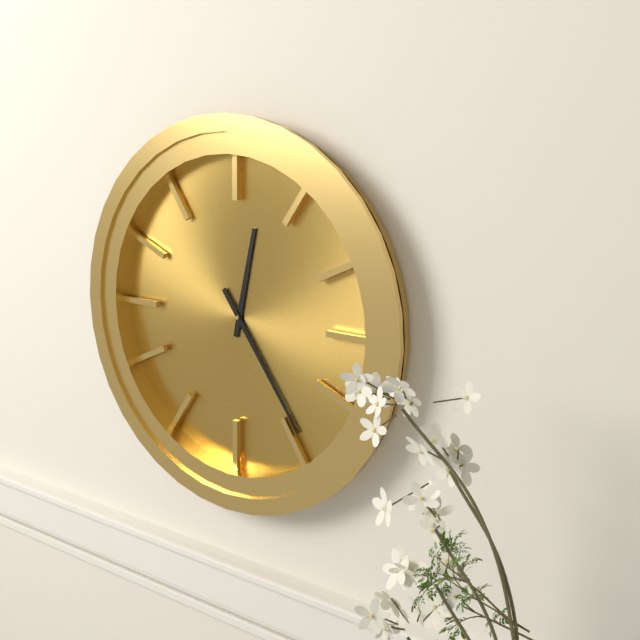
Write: 12:24
